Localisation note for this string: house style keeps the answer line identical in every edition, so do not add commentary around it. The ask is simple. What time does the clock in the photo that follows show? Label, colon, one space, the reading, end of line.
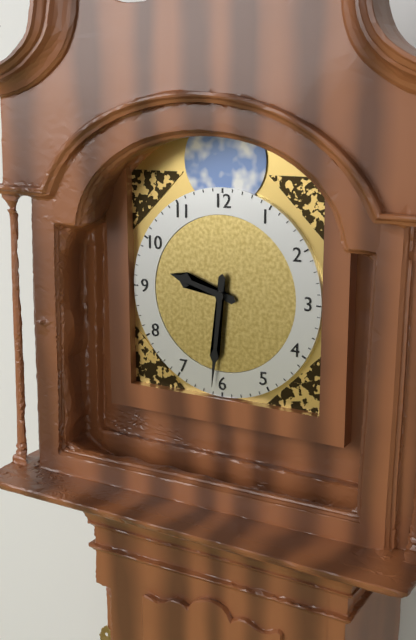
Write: 9:31
